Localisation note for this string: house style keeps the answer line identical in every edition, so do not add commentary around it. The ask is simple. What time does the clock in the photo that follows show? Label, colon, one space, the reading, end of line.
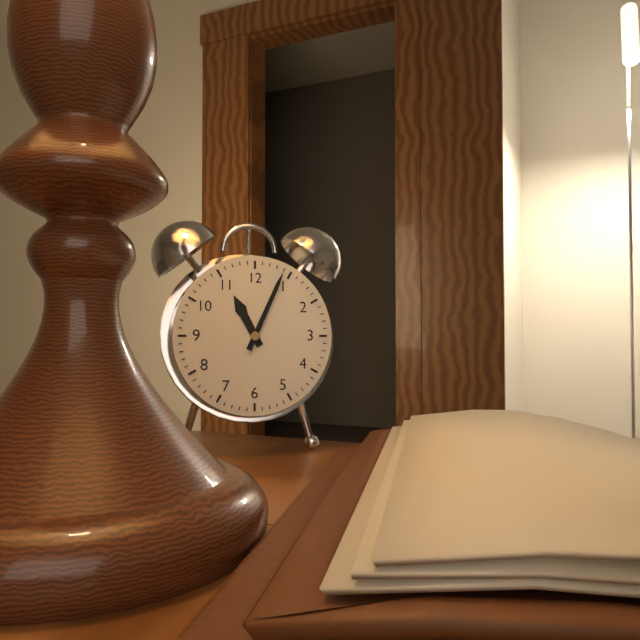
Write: 11:04
